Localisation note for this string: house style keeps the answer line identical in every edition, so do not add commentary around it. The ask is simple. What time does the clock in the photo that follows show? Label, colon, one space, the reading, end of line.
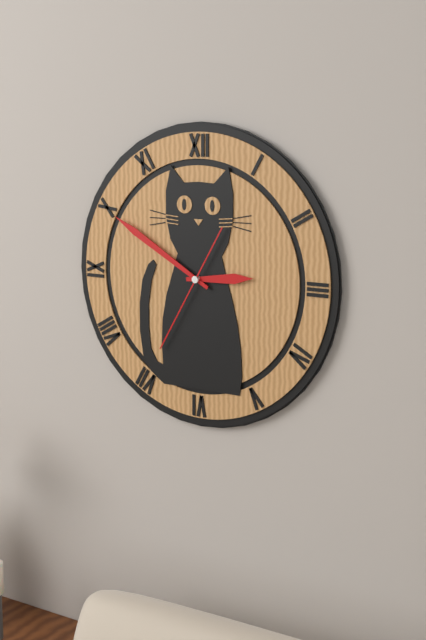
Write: 2:50:35
